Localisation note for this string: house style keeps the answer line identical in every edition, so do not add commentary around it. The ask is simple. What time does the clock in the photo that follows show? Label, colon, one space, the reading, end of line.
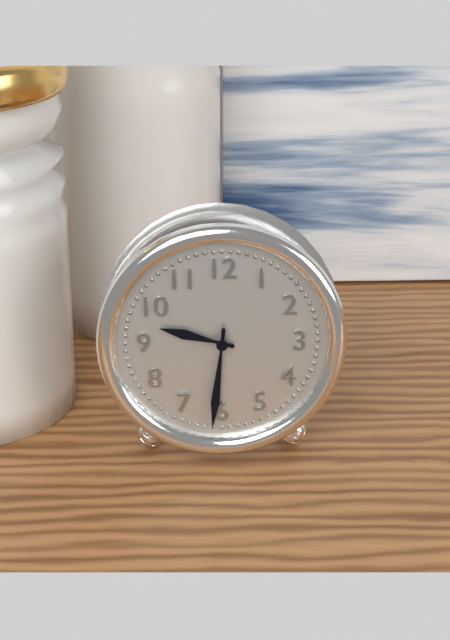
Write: 9:31
